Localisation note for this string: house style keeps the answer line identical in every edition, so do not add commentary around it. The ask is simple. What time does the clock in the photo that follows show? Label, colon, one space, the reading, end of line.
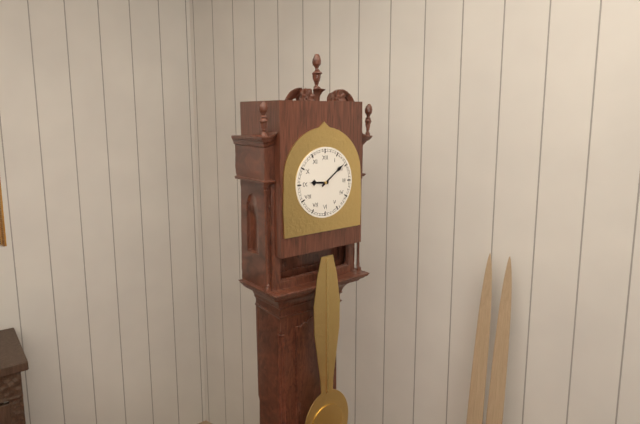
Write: 9:09
